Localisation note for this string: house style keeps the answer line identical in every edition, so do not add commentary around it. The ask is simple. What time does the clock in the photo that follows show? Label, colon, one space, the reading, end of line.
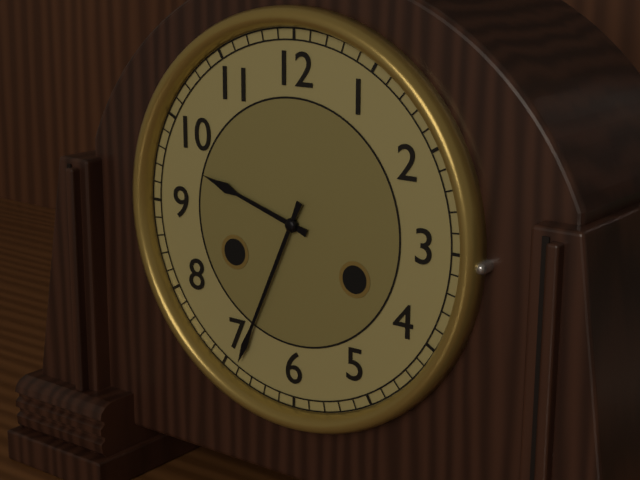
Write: 9:34
